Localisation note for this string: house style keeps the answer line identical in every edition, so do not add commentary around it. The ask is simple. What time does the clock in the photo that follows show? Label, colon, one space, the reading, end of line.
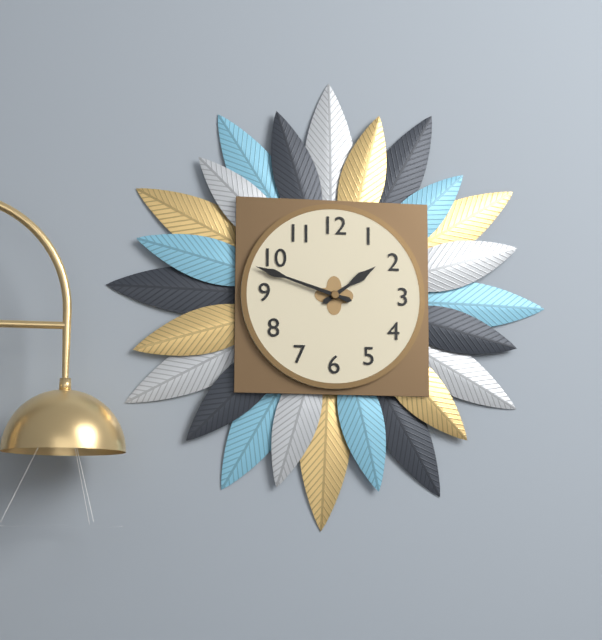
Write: 1:48
